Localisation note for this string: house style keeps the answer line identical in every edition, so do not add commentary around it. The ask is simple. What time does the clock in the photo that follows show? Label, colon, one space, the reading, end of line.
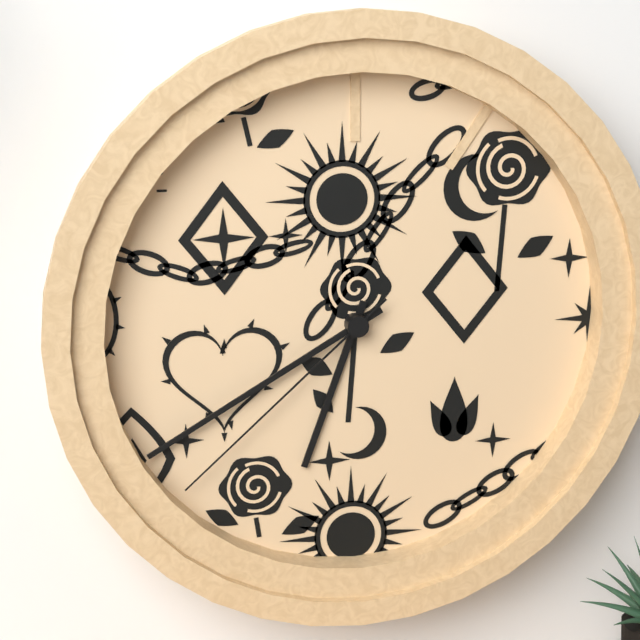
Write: 6:40:38
